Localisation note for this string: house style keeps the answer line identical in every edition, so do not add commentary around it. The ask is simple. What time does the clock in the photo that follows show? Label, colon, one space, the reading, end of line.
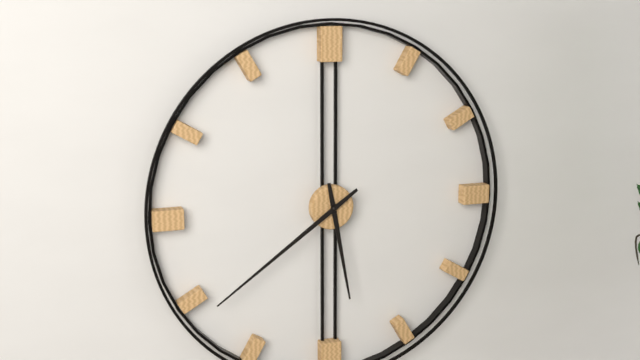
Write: 5:39
